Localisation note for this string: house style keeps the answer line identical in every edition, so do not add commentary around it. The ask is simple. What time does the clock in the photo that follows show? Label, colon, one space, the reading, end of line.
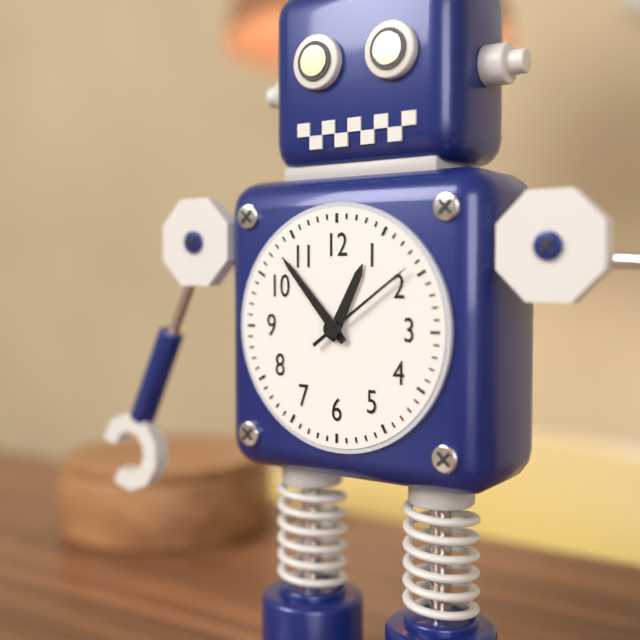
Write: 12:53:09
